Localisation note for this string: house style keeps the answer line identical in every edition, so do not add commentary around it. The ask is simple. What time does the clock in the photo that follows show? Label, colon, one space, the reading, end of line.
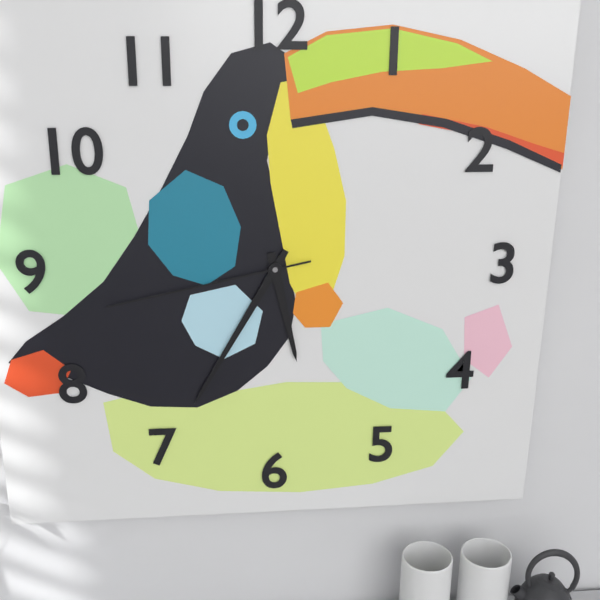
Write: 5:35:43
